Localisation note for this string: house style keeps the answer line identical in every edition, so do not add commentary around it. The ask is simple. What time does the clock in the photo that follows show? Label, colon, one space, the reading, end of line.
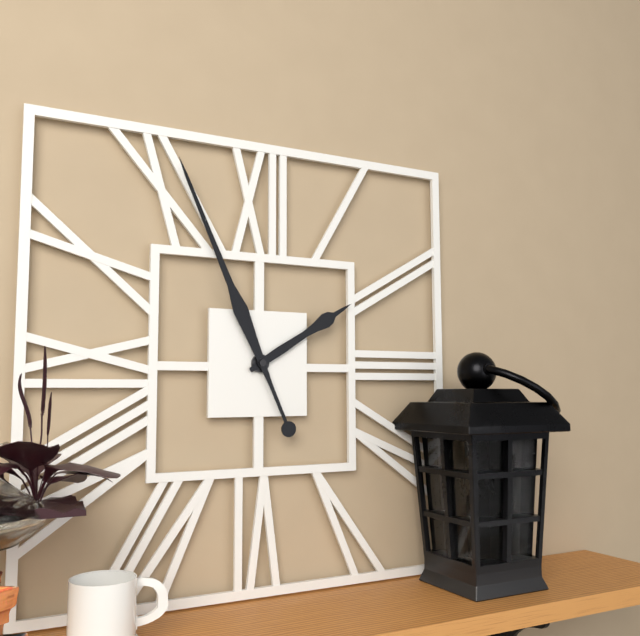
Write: 1:56
